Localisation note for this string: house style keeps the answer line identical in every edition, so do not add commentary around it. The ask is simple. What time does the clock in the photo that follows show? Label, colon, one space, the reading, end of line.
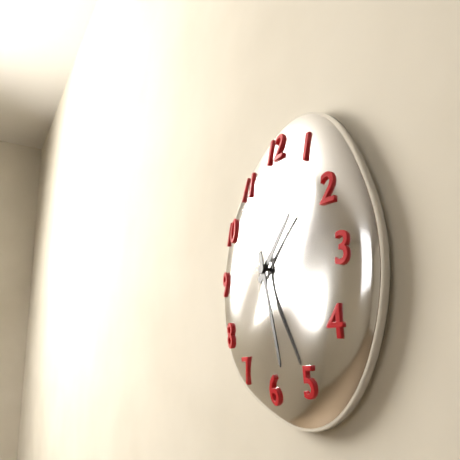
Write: 1:27
